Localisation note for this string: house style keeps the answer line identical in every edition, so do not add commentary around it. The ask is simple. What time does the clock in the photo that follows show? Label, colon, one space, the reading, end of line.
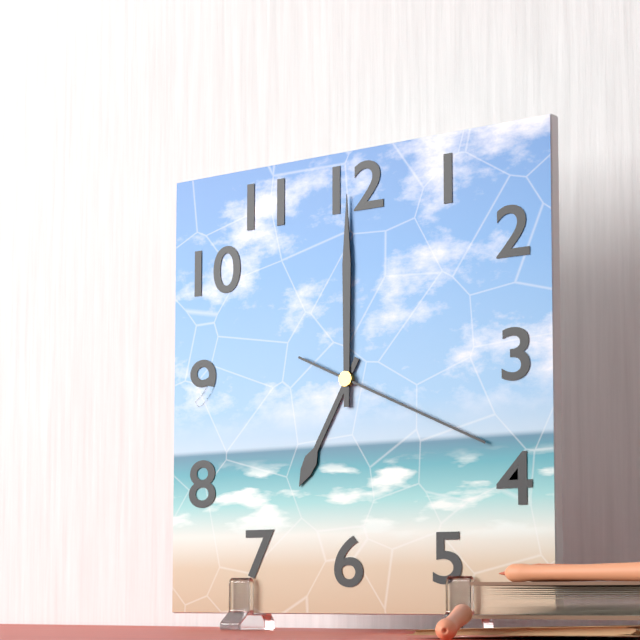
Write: 7:00:19
